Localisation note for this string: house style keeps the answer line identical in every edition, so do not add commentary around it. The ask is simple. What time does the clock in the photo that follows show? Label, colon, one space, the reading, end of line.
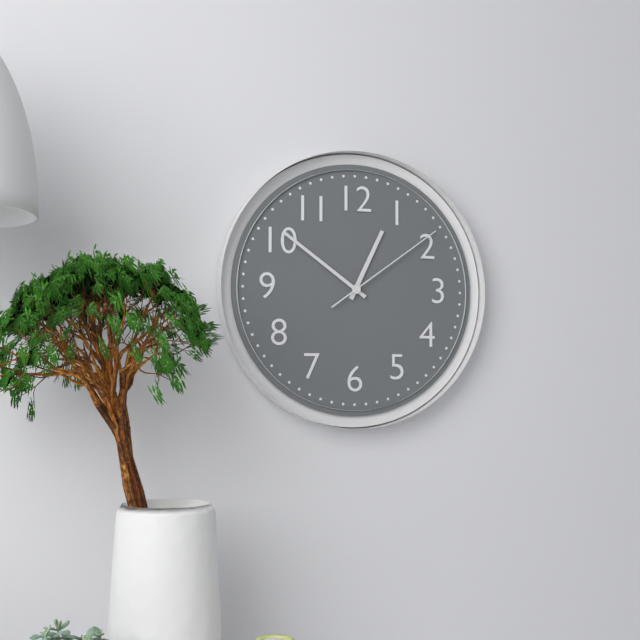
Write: 12:51:09
